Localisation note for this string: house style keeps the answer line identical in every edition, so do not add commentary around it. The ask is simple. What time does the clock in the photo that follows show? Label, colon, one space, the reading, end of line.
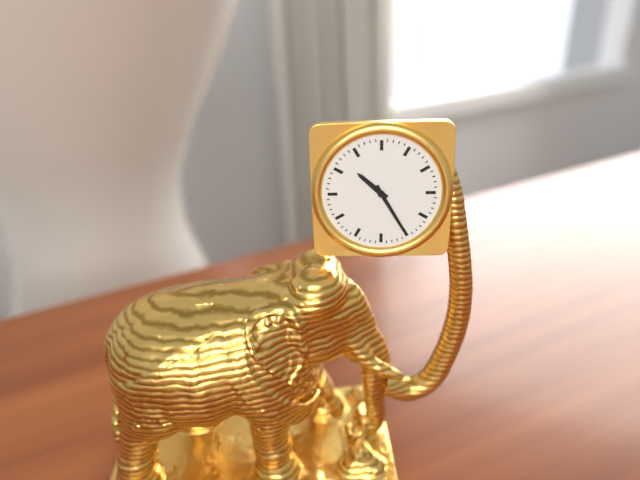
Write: 10:25
